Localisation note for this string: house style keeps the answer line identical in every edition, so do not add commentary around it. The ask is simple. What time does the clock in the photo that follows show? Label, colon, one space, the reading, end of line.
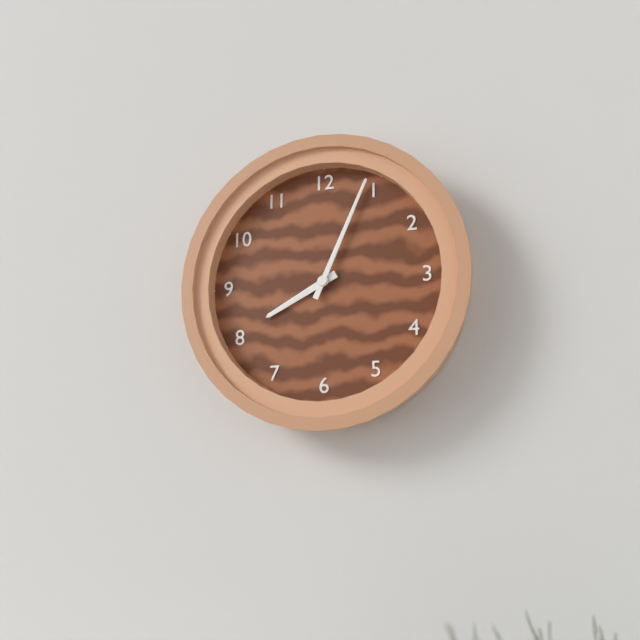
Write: 8:04
